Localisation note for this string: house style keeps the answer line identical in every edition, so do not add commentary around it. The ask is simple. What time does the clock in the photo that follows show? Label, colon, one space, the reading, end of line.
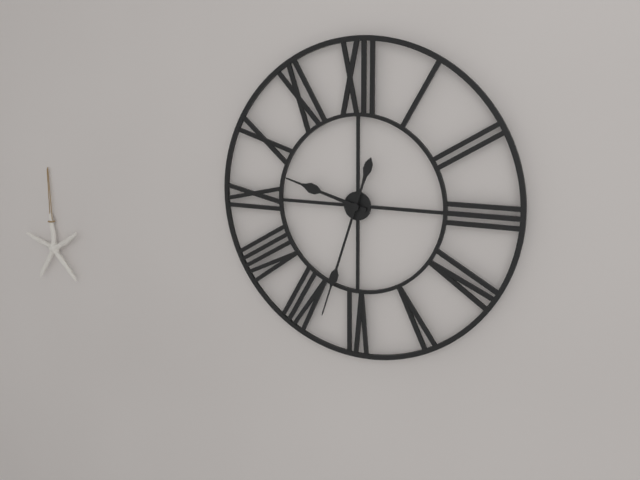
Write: 9:33
